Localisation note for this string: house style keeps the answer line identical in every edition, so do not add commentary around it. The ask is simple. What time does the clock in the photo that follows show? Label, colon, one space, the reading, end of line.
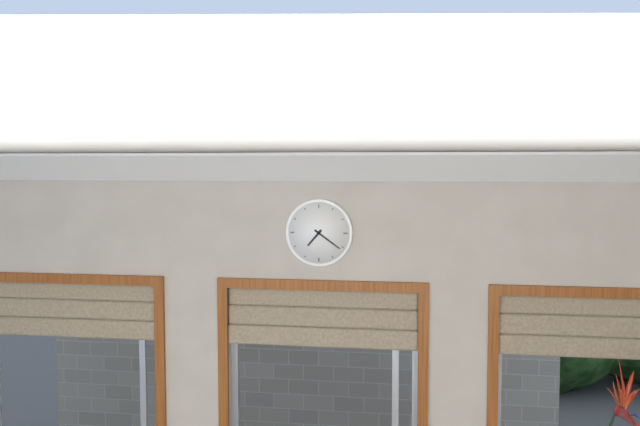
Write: 7:21
